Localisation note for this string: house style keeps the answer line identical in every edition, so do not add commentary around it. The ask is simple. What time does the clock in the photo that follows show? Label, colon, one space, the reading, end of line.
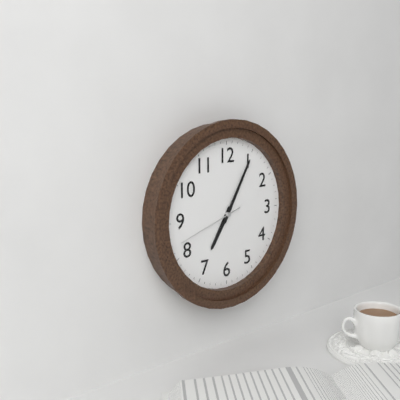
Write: 7:05:42
